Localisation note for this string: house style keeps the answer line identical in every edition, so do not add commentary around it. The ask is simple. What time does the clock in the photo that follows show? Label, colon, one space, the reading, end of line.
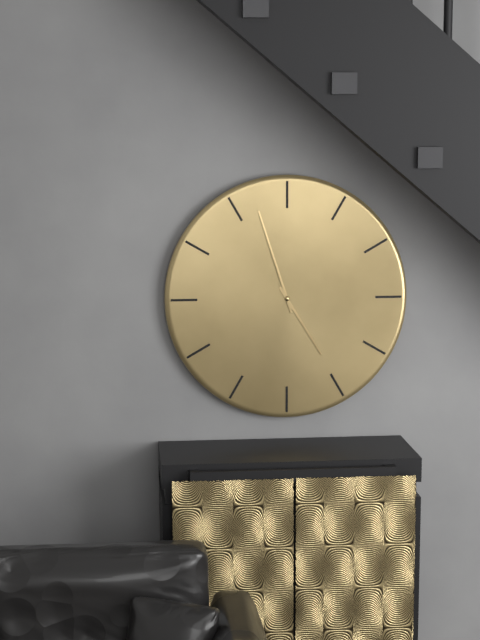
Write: 4:57
